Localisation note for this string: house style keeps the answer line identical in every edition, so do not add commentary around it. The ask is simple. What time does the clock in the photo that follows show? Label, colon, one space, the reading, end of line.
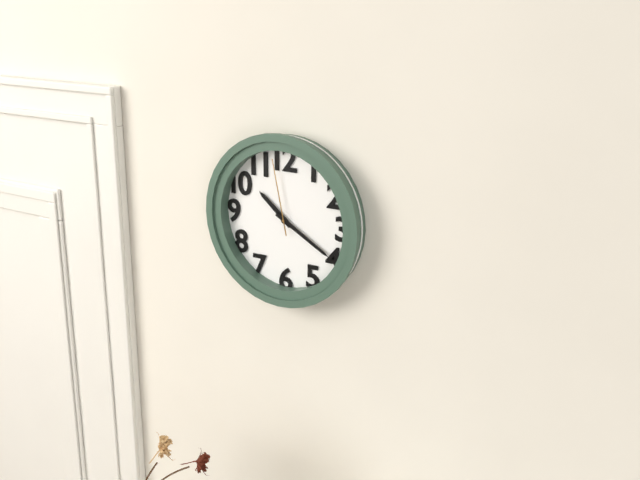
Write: 10:20:58
